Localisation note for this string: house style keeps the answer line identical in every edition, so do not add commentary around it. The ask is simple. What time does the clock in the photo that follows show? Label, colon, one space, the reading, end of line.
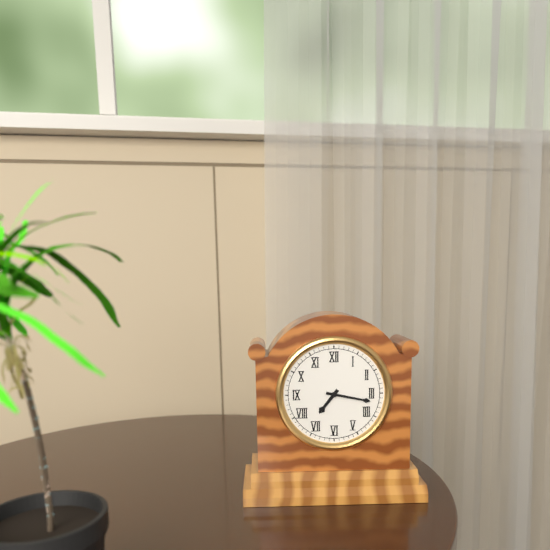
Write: 7:17
